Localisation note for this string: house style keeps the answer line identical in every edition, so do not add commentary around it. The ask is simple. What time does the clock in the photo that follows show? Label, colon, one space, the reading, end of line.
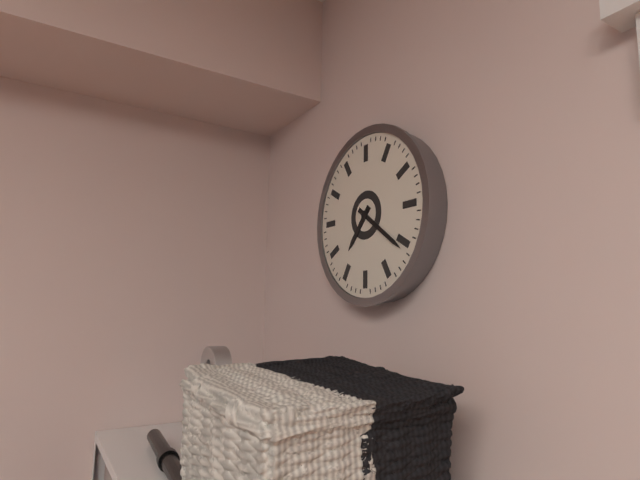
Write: 7:21
